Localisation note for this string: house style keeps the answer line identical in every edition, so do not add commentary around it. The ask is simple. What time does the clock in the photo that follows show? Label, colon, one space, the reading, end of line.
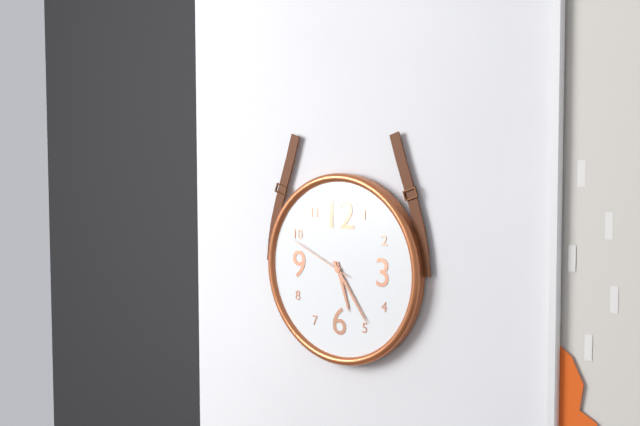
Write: 5:24:49
